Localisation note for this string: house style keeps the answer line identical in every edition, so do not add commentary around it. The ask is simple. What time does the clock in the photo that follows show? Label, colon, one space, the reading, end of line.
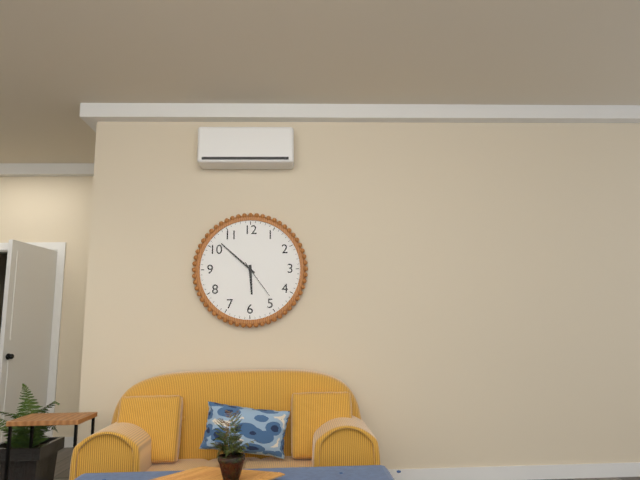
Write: 5:52
